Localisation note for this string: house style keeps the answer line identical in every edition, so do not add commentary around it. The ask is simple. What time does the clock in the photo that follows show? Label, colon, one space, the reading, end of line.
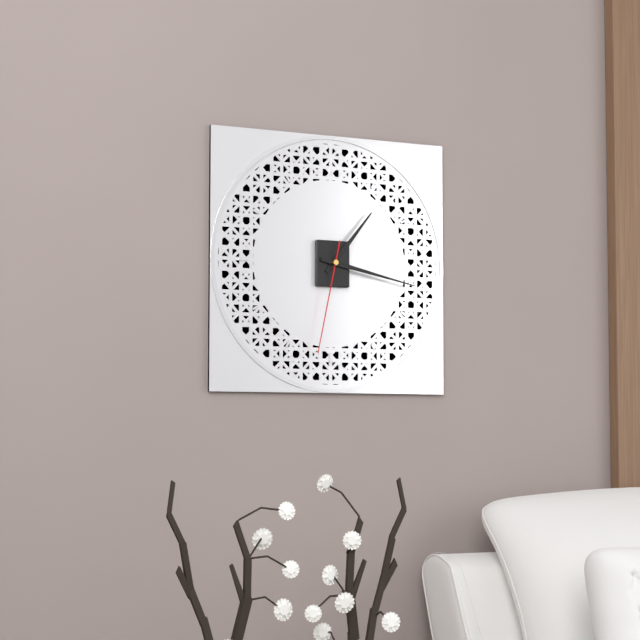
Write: 1:17:32
